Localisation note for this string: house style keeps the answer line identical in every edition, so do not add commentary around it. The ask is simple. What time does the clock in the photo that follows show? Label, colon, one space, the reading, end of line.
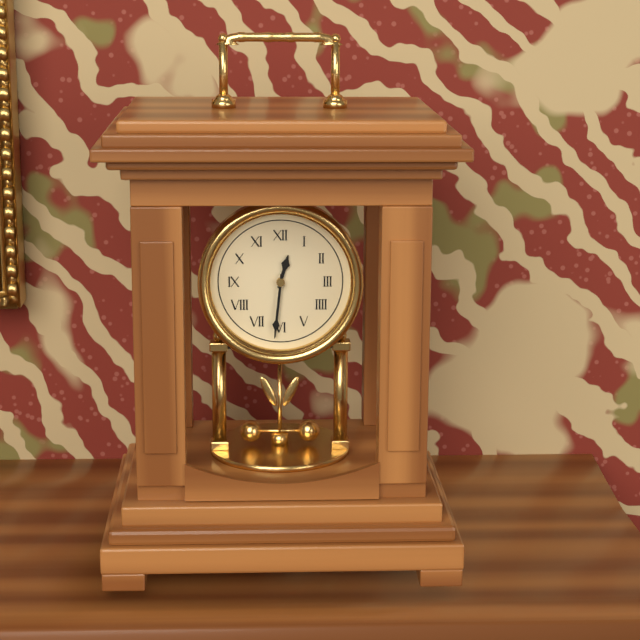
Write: 12:31
